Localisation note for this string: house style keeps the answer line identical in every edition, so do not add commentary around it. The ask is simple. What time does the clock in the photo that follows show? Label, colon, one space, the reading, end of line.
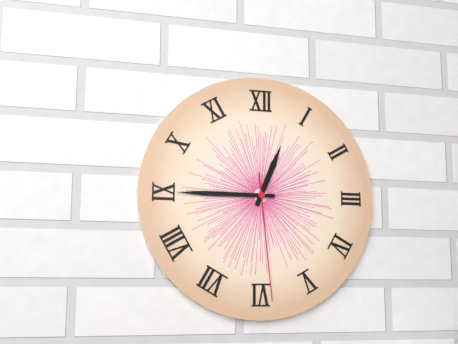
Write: 12:45:29
